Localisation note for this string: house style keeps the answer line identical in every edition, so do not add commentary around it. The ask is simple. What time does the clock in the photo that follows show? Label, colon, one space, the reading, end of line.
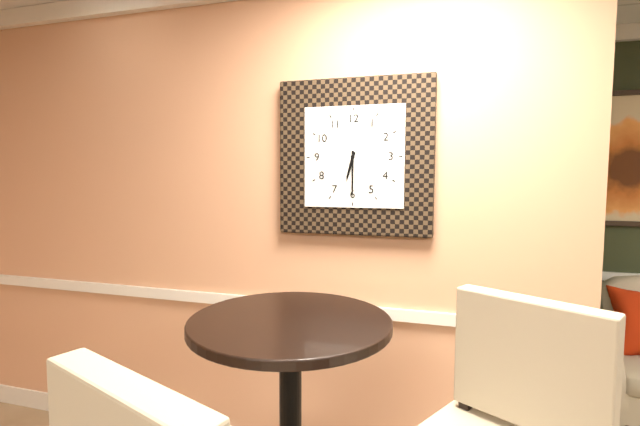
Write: 6:30
